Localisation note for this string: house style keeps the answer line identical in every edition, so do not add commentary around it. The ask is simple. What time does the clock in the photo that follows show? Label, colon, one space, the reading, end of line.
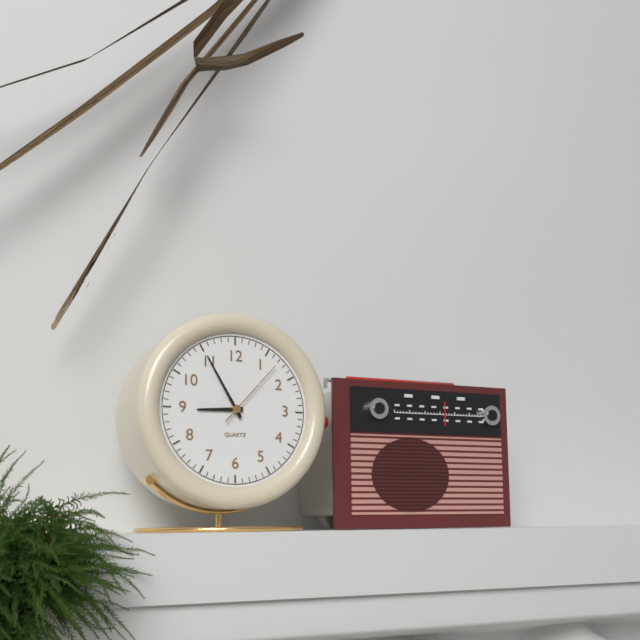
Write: 8:55:07
